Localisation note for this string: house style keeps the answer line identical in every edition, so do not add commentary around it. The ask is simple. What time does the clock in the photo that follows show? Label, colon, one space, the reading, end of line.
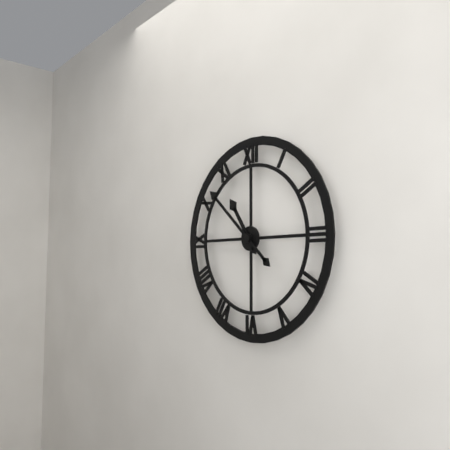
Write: 10:52
